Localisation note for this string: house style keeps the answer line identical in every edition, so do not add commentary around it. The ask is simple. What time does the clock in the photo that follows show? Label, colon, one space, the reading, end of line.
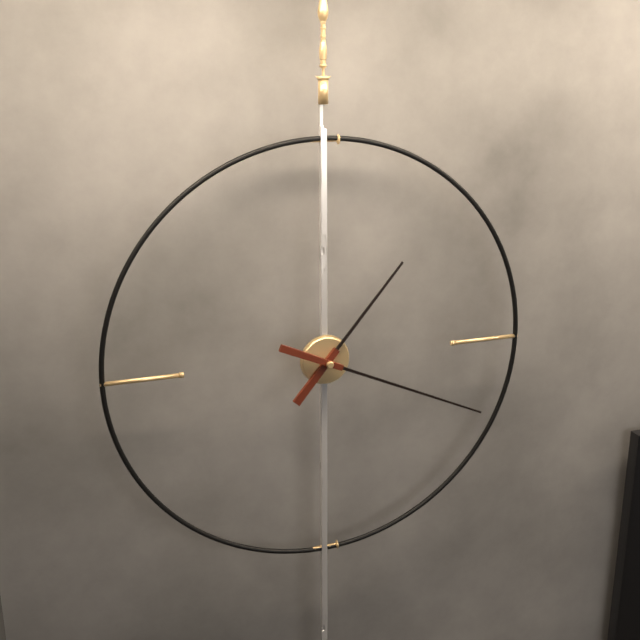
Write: 1:19
